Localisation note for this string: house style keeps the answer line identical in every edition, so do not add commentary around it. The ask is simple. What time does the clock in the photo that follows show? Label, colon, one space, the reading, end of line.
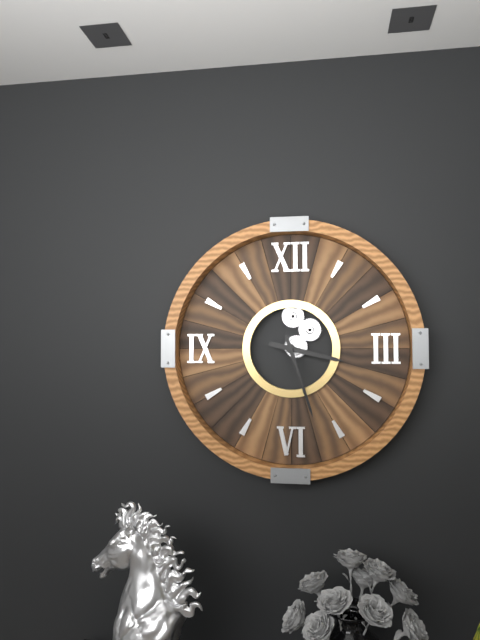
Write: 3:27
